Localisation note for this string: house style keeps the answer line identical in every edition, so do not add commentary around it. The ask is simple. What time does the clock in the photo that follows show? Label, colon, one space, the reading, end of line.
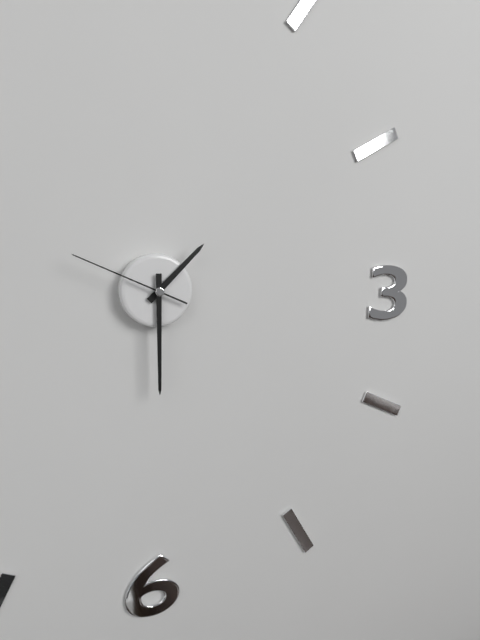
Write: 1:30:49
